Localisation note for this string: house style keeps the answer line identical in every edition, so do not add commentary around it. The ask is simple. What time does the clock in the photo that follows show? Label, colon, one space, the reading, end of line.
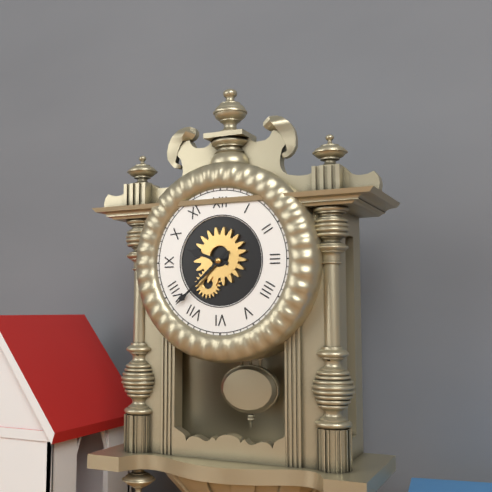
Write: 9:38
